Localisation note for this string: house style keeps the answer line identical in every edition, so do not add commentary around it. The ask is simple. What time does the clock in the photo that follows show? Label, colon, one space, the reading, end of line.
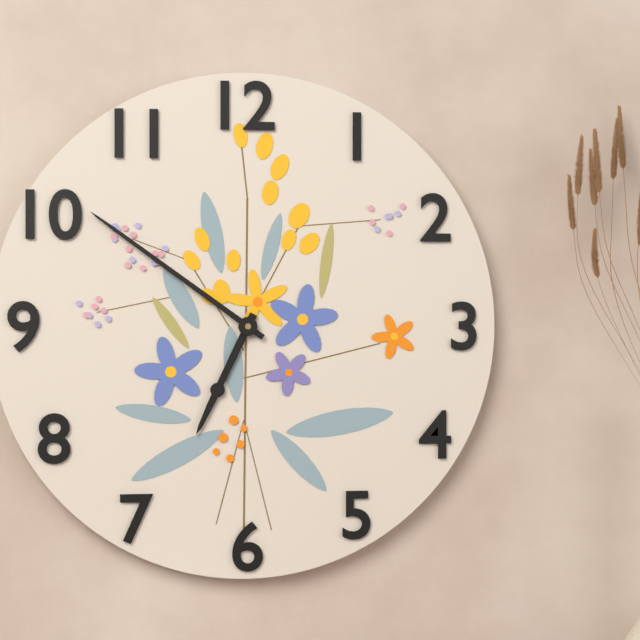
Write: 6:51
